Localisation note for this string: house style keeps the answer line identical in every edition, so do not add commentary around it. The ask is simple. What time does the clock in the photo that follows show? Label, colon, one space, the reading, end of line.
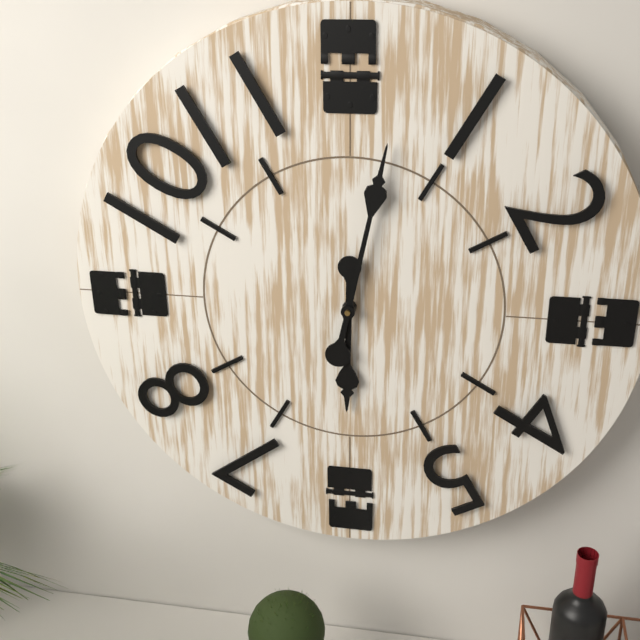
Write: 6:02
